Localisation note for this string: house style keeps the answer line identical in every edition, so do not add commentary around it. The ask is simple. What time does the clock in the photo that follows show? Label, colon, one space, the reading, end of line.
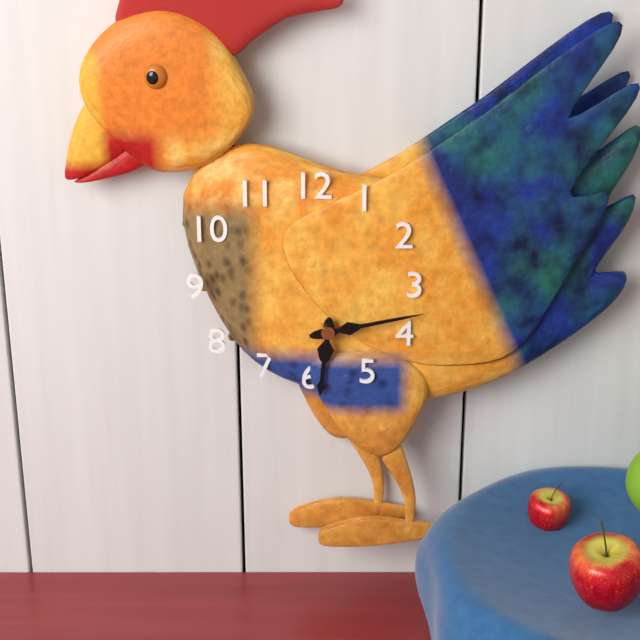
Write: 6:13
